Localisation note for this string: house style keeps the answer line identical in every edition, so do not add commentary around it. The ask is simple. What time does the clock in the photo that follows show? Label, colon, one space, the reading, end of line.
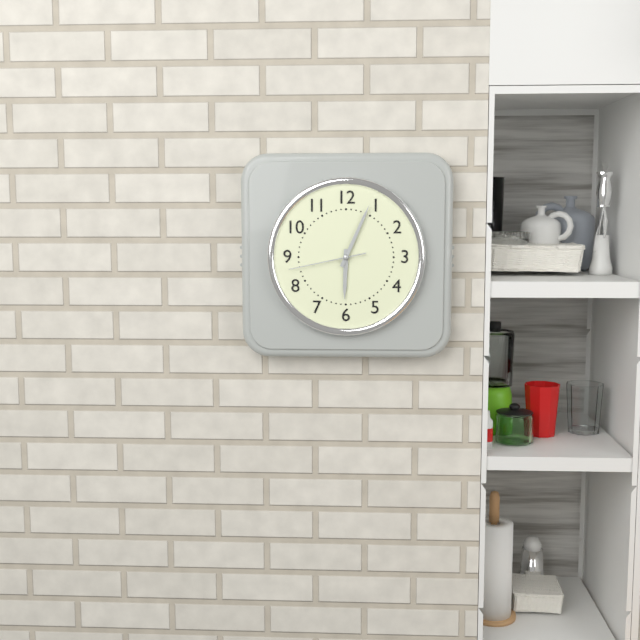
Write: 6:04:43
